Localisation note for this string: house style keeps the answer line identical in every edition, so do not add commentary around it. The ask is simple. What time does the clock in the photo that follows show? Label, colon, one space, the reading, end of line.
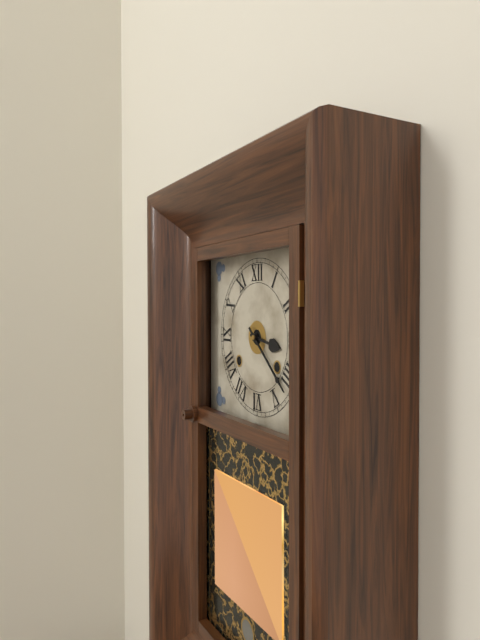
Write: 3:22
